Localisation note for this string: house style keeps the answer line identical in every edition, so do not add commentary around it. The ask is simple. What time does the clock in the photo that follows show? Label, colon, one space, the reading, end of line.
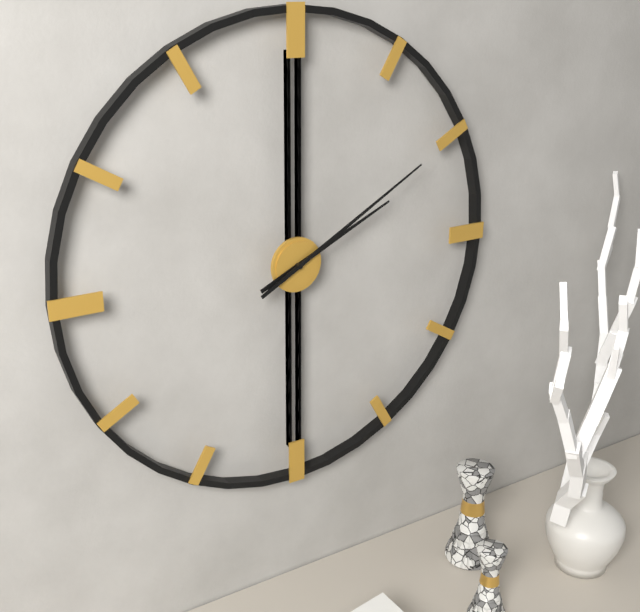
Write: 2:10
